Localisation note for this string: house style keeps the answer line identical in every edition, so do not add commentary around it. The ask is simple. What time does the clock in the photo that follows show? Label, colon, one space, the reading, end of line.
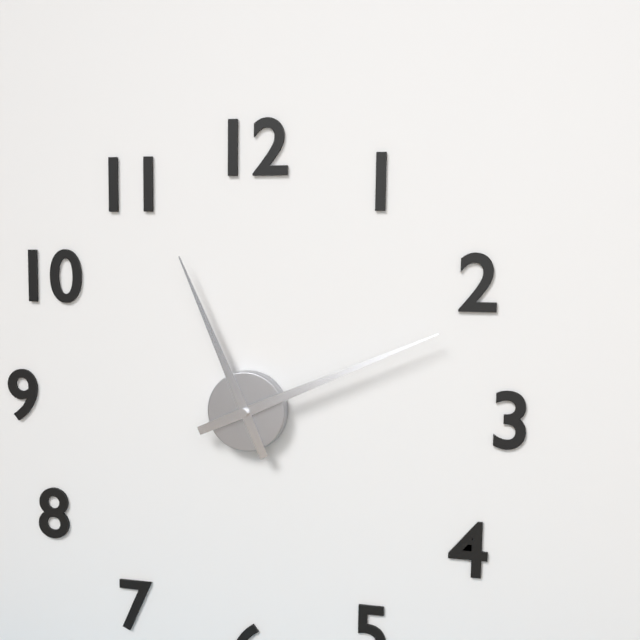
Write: 11:11
